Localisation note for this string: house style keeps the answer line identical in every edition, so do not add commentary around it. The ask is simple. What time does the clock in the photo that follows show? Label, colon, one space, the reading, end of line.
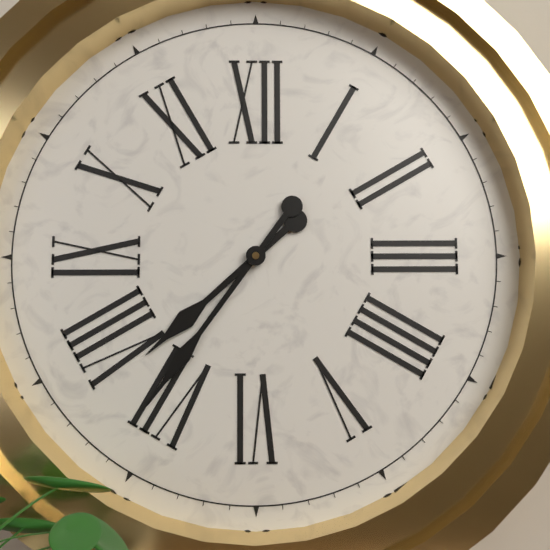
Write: 7:36
